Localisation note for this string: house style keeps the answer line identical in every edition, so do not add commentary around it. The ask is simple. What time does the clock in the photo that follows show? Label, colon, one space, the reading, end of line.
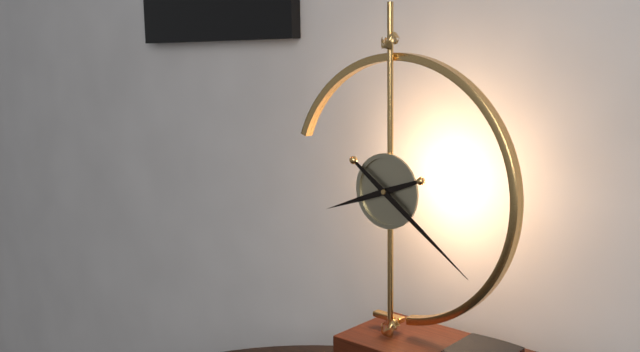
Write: 8:21
